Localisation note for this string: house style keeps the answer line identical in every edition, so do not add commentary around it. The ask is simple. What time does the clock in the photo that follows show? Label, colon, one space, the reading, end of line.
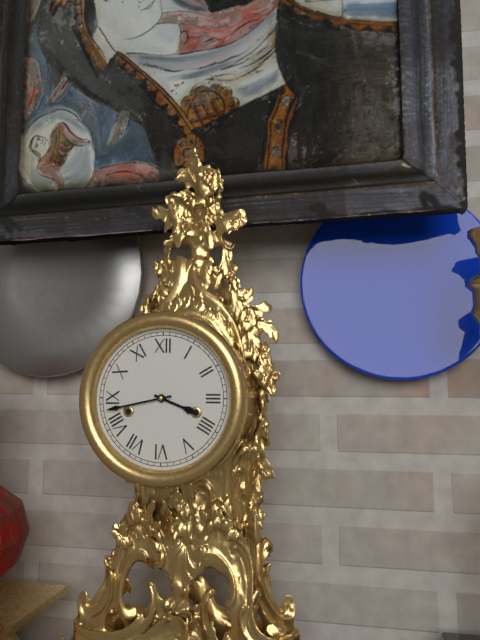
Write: 3:43
